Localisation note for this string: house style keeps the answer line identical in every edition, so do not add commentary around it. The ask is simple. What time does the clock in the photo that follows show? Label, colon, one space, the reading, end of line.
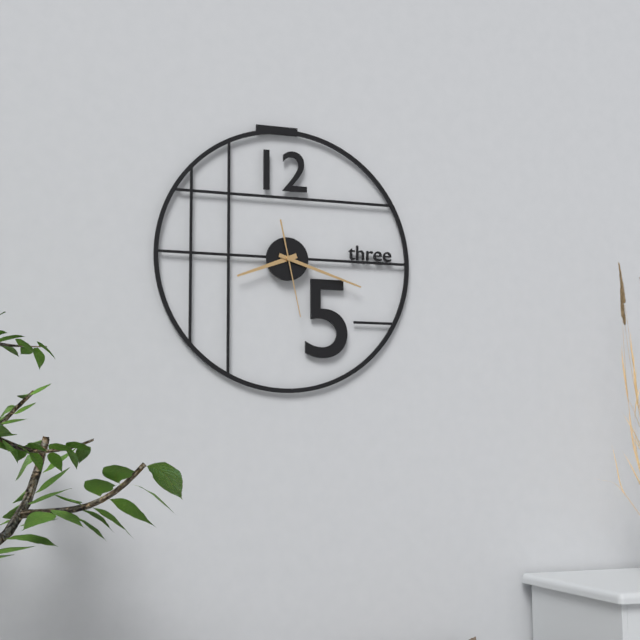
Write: 8:18:28
